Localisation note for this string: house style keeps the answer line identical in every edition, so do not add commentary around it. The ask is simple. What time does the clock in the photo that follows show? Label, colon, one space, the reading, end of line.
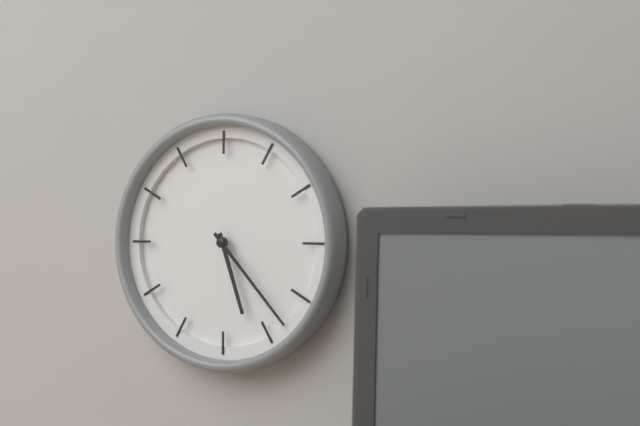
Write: 5:23
